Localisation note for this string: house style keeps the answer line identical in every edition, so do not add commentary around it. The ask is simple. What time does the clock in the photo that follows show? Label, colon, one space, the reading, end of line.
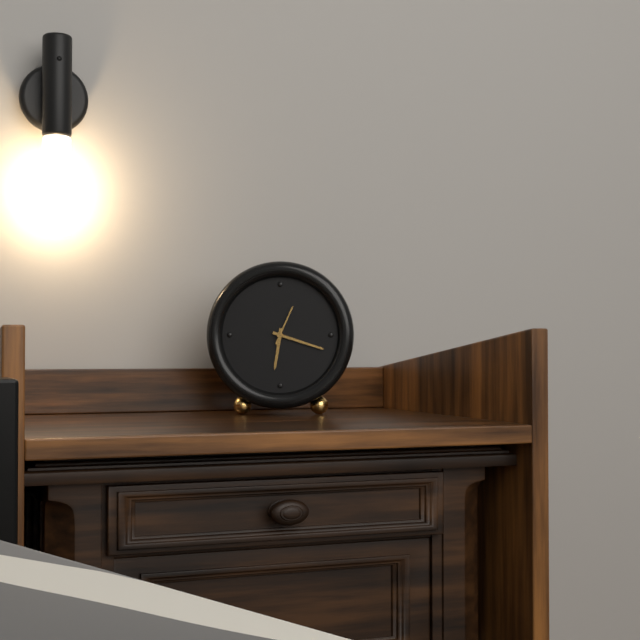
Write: 6:18
